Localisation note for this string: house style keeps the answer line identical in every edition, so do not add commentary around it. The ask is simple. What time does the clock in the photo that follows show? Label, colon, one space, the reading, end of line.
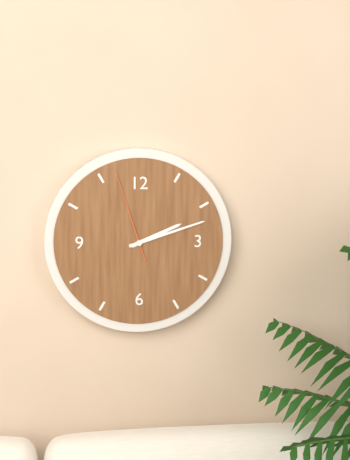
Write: 2:12:57
